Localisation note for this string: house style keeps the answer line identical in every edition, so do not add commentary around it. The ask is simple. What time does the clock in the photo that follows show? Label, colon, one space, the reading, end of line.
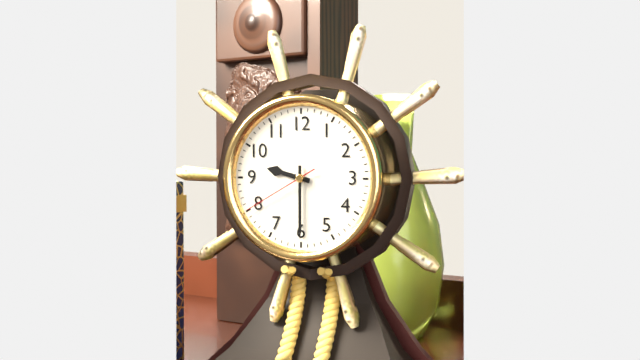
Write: 9:30:40
